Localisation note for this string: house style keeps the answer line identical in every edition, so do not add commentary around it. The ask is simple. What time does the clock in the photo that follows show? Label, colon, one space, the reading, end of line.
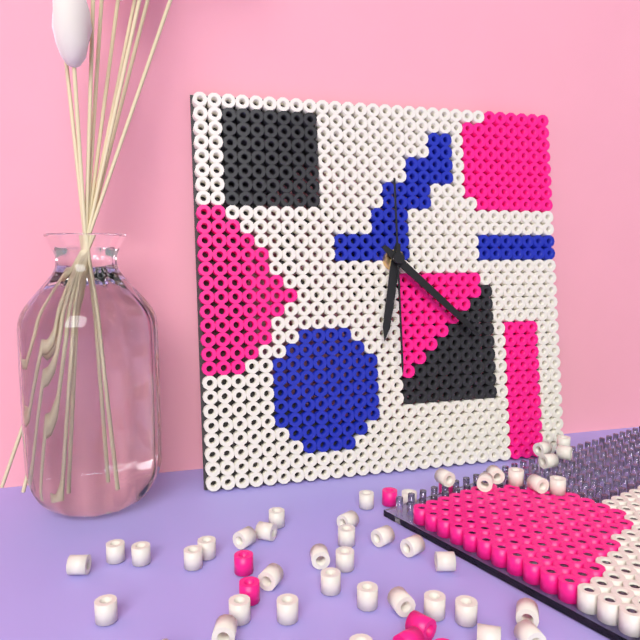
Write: 6:22:30
